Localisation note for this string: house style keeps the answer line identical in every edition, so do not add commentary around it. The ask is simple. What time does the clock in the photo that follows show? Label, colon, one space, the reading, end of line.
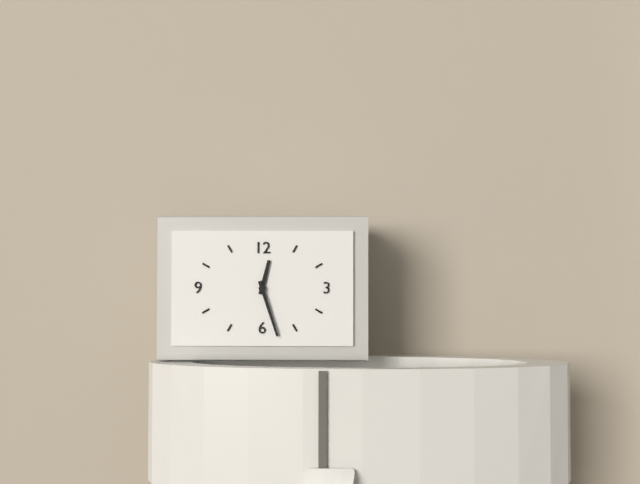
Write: 12:27
